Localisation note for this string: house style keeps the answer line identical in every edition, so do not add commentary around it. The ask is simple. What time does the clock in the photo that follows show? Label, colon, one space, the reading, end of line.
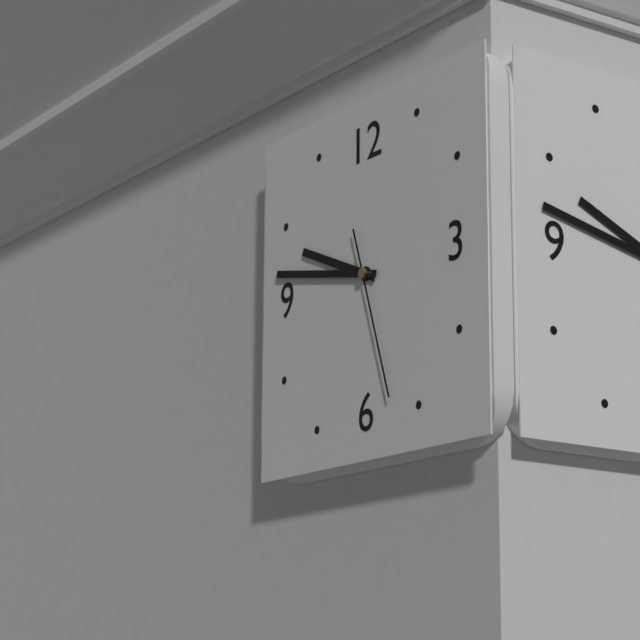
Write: 9:47:27
